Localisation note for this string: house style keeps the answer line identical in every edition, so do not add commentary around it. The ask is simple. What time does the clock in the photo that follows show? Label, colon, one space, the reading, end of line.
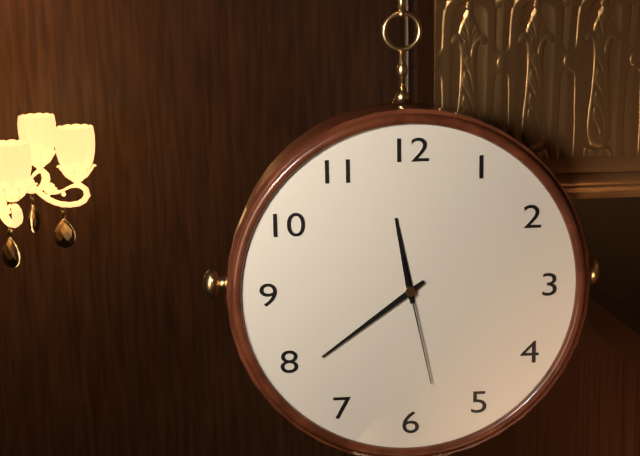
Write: 11:39:28
